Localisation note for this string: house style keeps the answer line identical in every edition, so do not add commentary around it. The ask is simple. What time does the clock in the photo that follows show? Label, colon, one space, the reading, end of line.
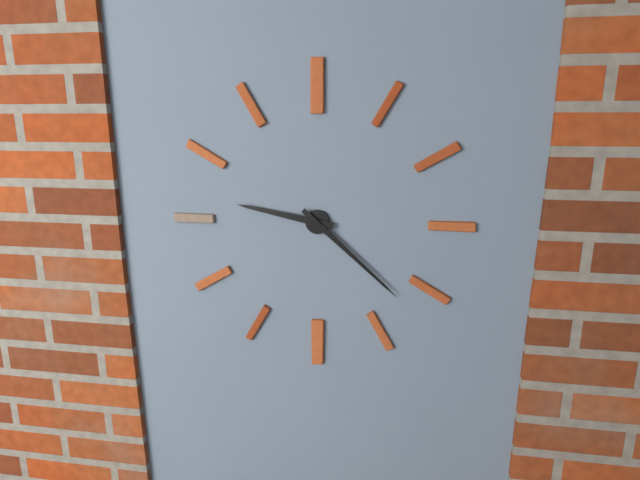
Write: 9:22
